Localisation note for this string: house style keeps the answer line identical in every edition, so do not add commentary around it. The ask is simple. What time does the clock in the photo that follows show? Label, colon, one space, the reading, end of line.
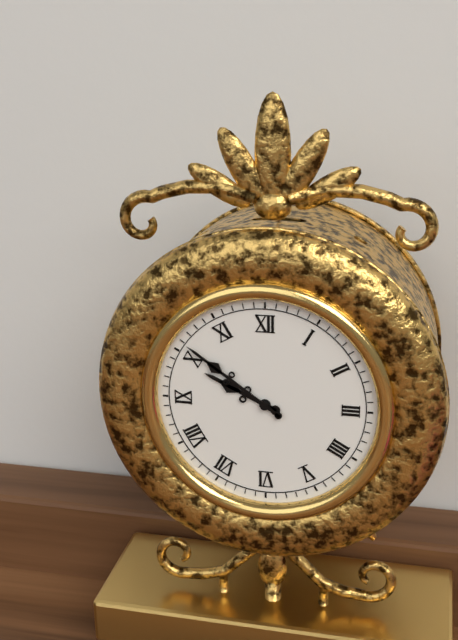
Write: 9:51
